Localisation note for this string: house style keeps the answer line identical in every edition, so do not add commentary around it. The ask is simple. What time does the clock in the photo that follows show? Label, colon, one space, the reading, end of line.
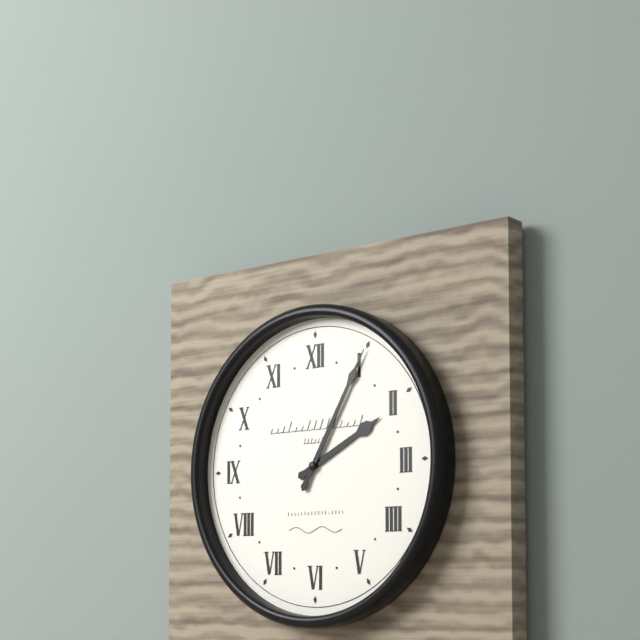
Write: 2:05
